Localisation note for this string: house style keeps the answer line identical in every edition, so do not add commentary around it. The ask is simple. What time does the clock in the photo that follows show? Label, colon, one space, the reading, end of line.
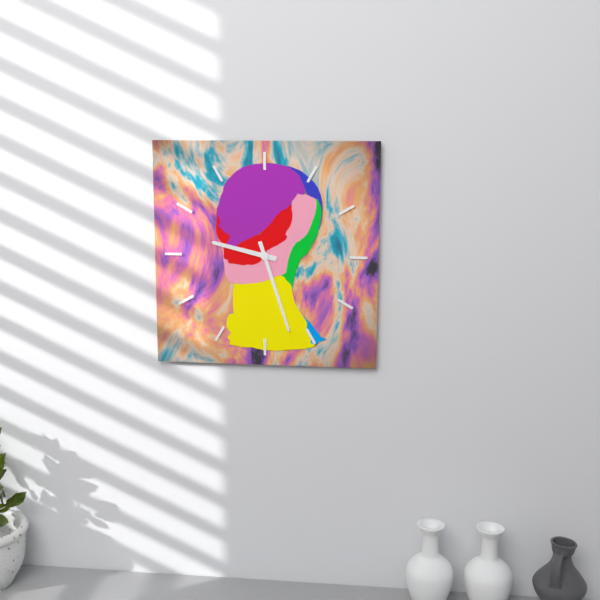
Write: 9:27
